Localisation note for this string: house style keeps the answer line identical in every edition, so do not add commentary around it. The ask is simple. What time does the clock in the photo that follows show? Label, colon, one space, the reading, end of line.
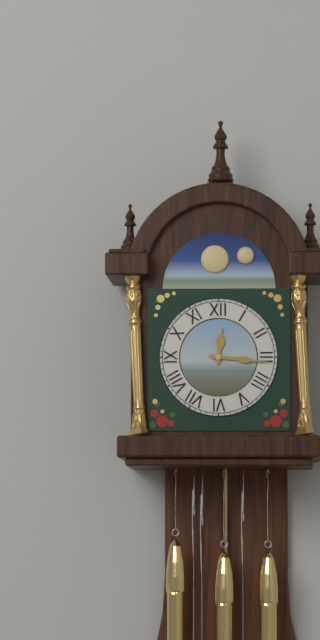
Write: 12:16
